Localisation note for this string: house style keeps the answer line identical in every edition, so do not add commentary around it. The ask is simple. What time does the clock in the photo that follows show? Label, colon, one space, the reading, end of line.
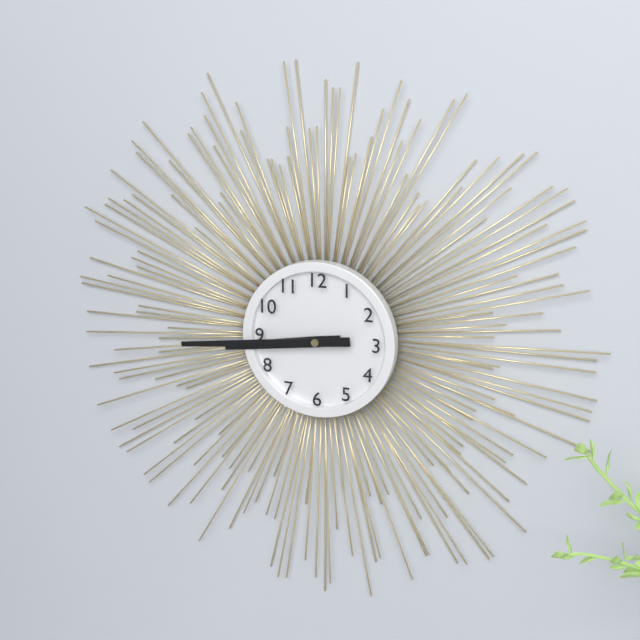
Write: 8:44
